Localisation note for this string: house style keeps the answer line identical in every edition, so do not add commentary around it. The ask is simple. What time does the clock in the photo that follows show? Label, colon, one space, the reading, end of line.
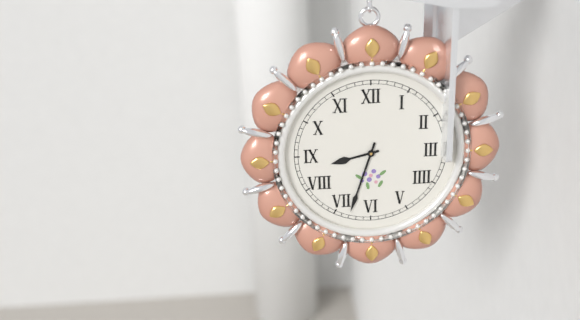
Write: 8:33
